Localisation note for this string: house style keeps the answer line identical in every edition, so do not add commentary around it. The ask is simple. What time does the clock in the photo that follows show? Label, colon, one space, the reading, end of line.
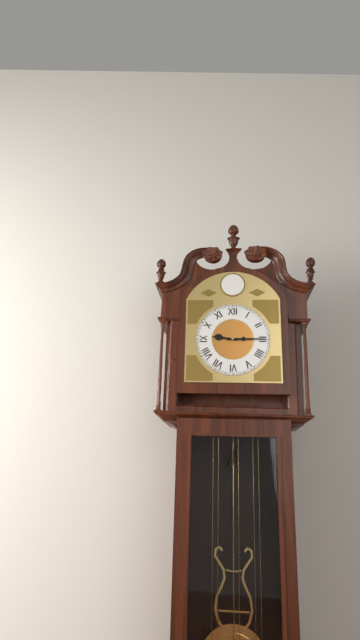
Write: 9:15
